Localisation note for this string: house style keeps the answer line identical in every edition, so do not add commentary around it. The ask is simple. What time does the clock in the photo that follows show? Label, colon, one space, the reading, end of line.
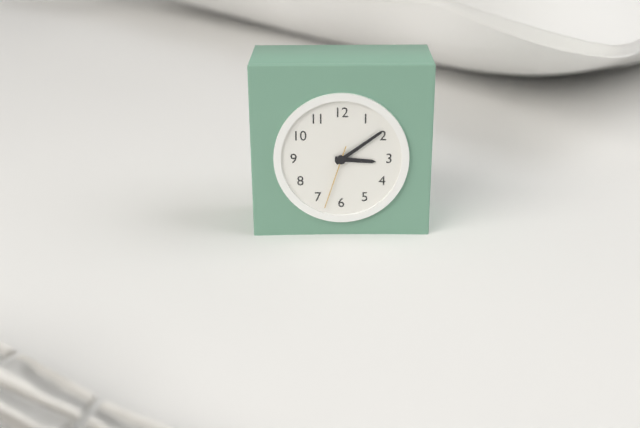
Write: 3:09:33
